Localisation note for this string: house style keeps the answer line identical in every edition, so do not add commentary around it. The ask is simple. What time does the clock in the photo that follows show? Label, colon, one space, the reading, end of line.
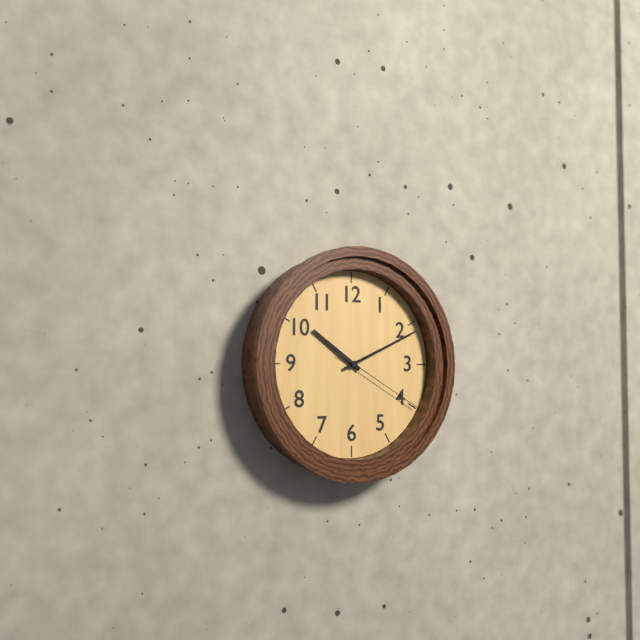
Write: 10:11:20
